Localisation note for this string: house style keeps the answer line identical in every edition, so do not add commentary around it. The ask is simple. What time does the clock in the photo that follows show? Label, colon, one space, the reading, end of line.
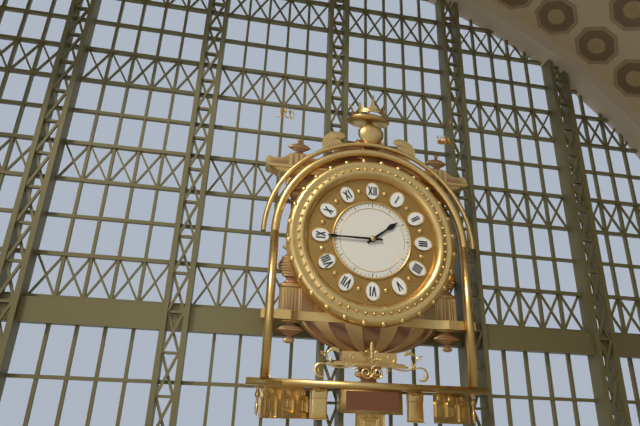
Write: 1:45
